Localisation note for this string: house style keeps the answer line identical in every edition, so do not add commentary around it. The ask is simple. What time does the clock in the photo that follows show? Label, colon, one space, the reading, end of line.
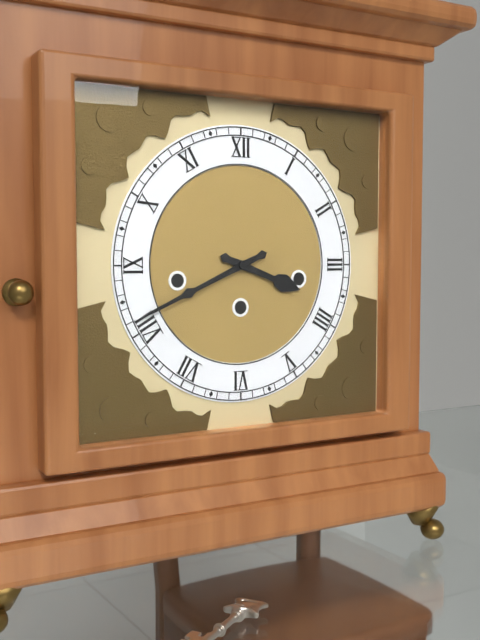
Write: 3:41
